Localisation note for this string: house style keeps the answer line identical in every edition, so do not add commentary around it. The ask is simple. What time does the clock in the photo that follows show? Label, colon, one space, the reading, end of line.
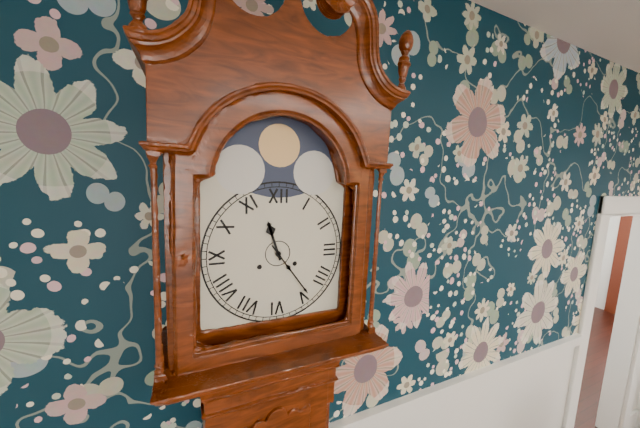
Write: 11:24
